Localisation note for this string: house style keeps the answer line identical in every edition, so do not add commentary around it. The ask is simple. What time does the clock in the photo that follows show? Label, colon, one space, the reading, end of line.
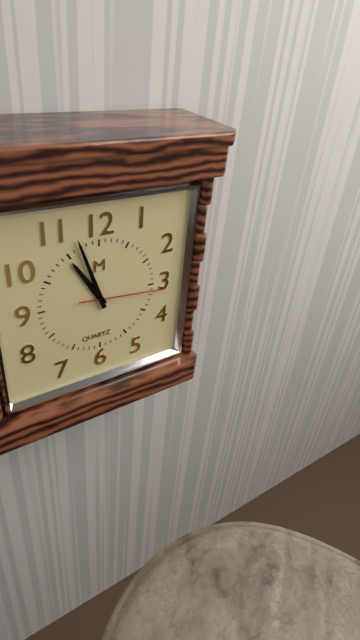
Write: 10:57:16
